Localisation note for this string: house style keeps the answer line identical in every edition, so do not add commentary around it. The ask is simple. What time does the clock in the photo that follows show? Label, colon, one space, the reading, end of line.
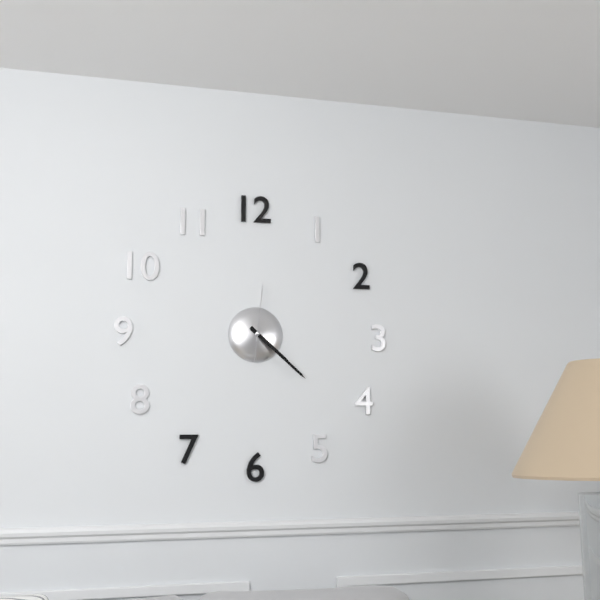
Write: 4:22:01
